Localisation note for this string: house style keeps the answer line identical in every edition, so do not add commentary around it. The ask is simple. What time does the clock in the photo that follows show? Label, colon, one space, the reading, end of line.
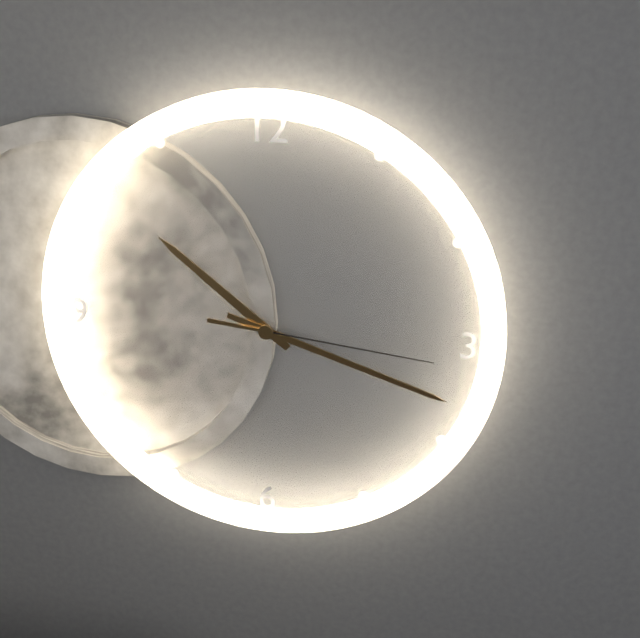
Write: 10:18:16
